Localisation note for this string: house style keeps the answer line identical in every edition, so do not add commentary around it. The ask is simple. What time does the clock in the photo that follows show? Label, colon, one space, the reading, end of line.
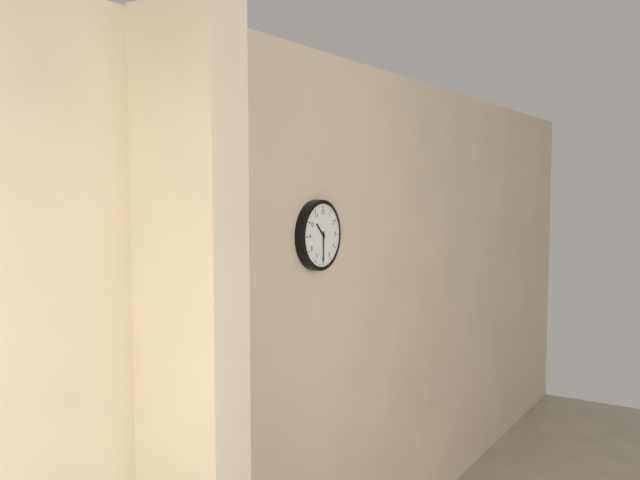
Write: 10:30
